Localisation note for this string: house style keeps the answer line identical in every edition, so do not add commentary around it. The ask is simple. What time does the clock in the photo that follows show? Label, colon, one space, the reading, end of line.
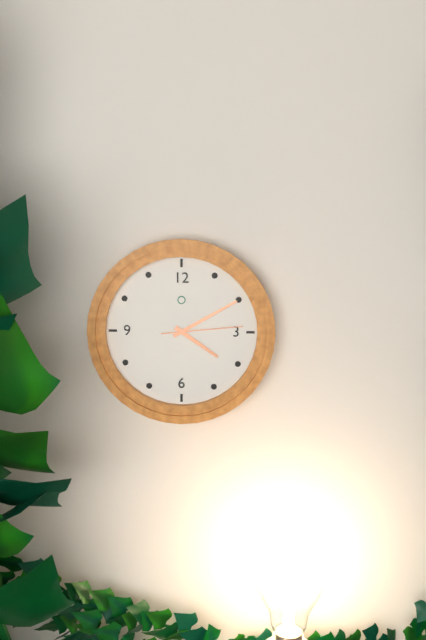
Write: 4:10:14
